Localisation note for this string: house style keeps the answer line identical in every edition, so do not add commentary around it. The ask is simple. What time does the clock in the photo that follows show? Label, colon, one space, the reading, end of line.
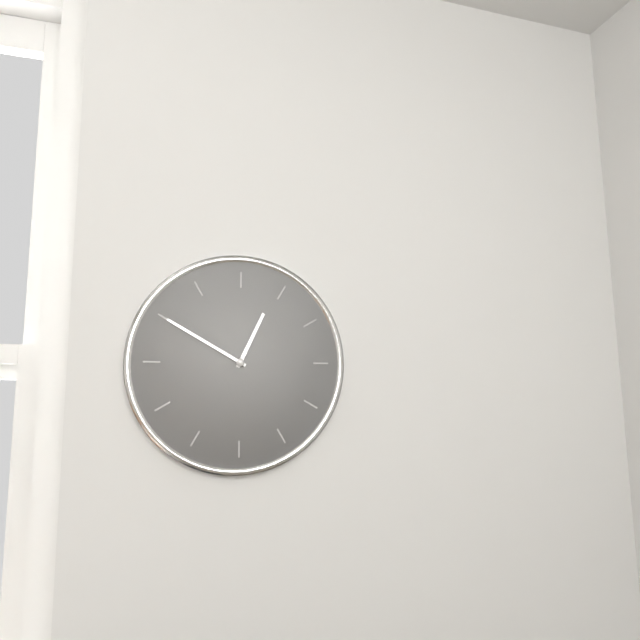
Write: 12:50
